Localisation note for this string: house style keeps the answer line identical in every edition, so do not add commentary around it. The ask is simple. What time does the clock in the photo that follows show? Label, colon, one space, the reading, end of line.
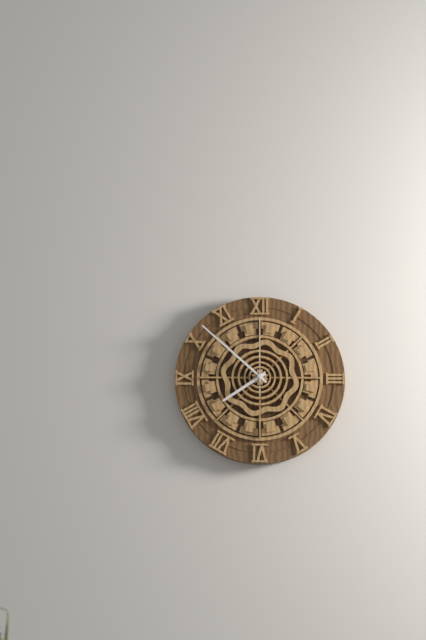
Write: 7:52:00
